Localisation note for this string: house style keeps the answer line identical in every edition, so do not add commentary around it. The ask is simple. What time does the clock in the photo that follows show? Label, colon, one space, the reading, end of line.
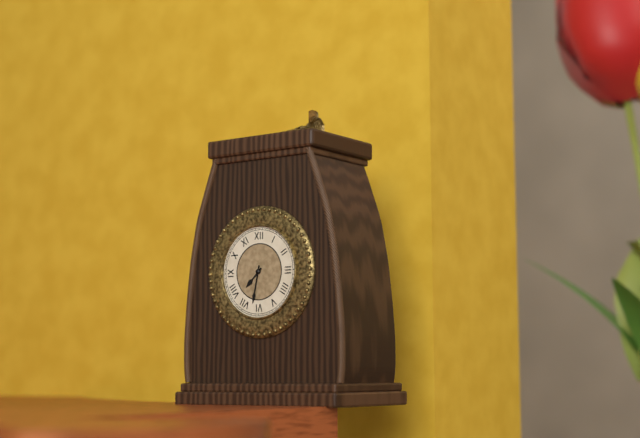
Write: 7:32
